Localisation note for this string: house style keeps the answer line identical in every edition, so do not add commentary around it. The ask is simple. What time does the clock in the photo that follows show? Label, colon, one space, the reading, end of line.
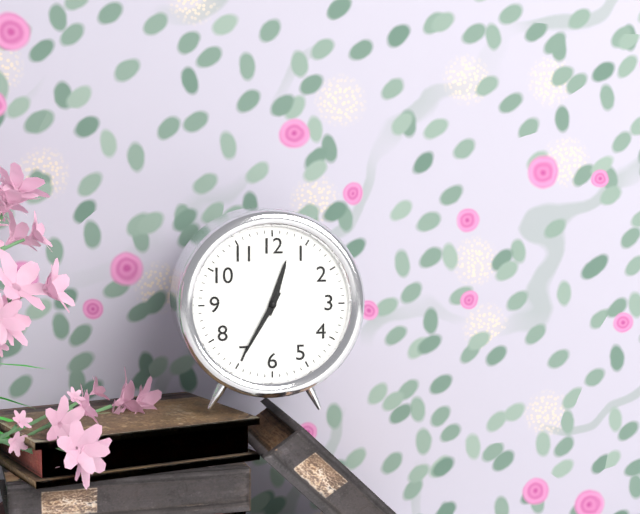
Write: 12:35
